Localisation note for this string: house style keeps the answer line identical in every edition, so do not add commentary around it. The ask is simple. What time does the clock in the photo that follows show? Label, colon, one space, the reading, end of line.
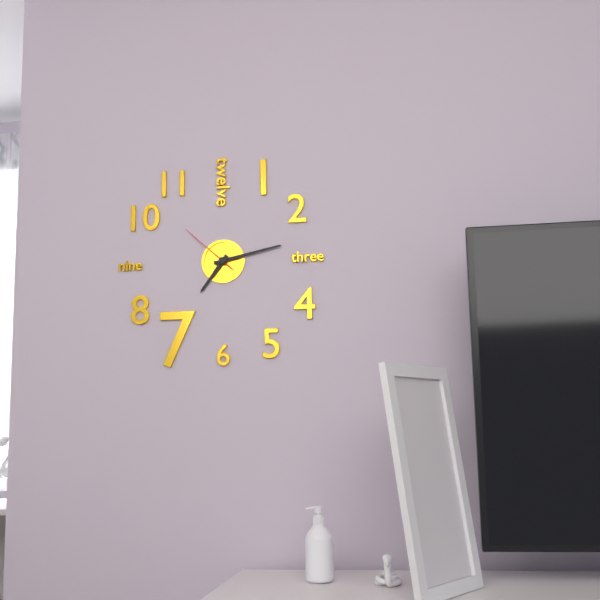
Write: 7:13:52
